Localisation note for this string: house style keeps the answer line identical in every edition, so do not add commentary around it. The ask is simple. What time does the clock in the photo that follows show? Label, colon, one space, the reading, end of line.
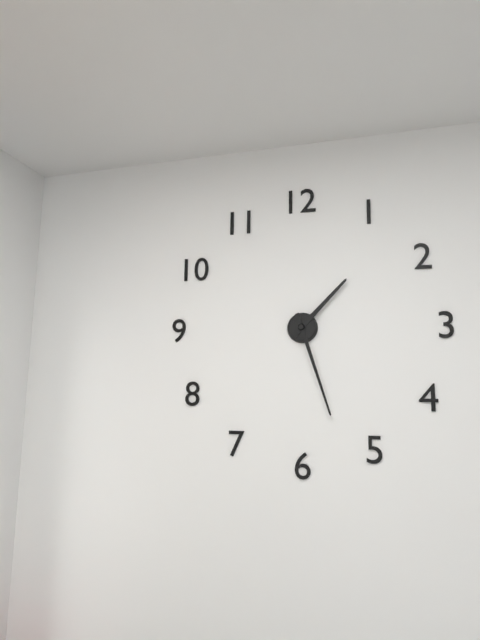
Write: 1:27
